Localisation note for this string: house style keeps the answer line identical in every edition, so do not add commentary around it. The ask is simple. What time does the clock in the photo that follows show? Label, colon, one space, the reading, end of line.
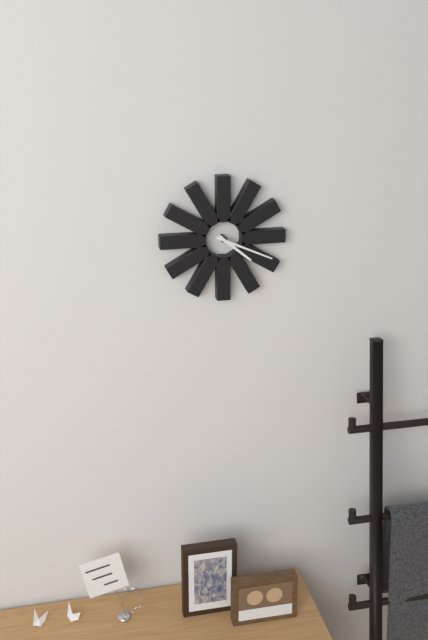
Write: 4:19
